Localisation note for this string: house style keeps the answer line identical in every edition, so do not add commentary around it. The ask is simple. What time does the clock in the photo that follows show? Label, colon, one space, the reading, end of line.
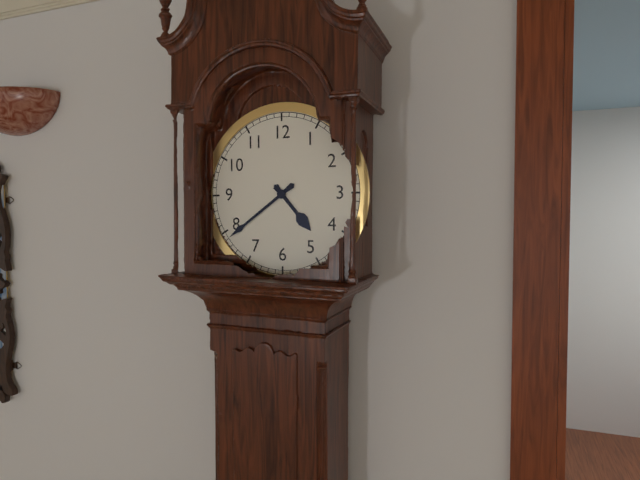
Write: 4:39
